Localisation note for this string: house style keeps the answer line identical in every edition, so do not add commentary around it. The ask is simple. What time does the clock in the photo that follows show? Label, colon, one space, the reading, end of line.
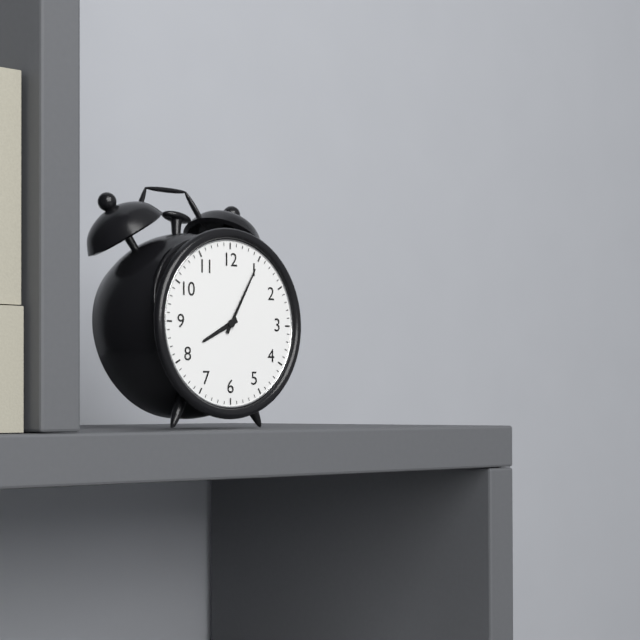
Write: 8:05
